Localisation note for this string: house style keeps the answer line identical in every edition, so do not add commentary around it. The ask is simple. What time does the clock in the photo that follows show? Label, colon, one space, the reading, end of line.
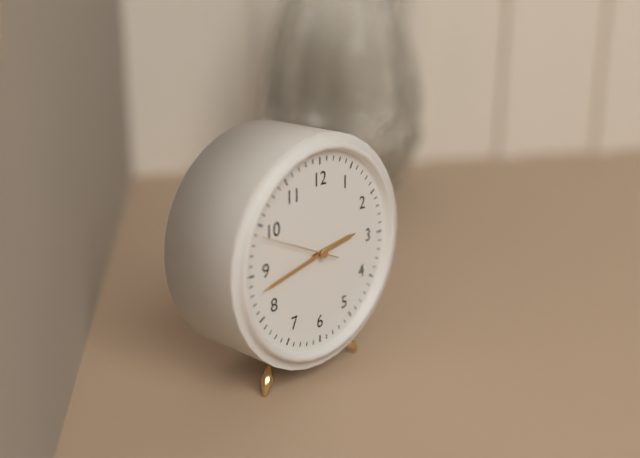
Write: 2:43:49
